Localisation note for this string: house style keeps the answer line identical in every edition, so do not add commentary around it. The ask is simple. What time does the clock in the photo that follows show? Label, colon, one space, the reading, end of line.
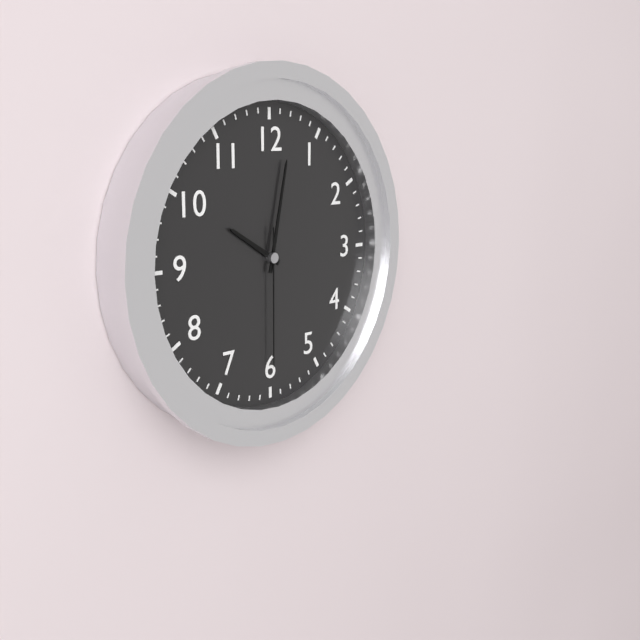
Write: 10:02:30
